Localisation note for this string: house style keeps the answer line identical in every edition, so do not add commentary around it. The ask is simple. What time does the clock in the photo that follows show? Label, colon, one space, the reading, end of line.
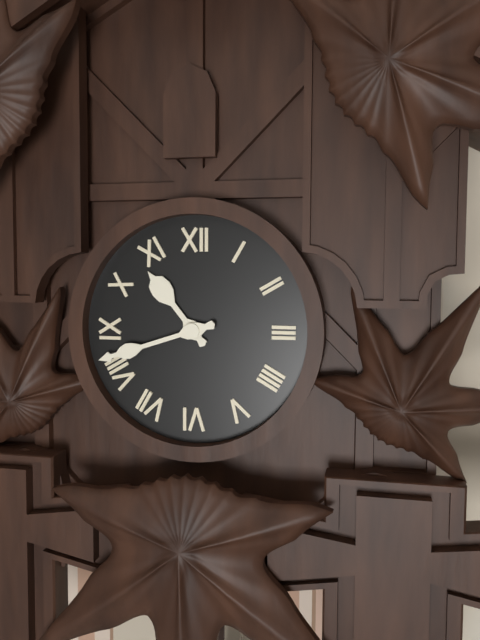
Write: 10:42
